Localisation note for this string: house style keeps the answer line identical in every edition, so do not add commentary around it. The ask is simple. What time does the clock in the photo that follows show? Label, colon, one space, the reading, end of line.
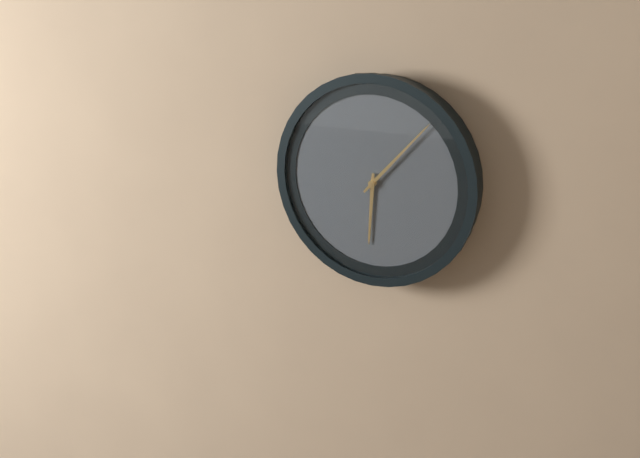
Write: 6:07
